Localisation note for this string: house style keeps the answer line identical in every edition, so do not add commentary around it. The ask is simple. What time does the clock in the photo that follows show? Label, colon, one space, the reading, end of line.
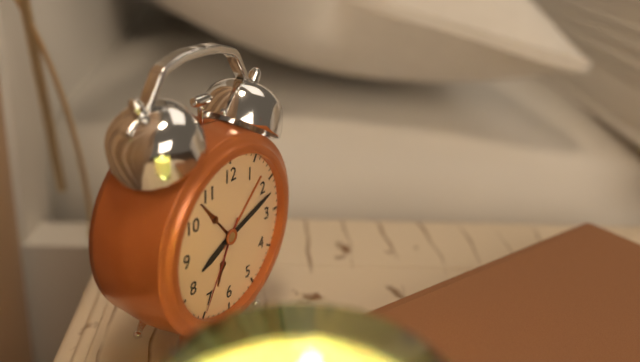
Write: 8:12:35
